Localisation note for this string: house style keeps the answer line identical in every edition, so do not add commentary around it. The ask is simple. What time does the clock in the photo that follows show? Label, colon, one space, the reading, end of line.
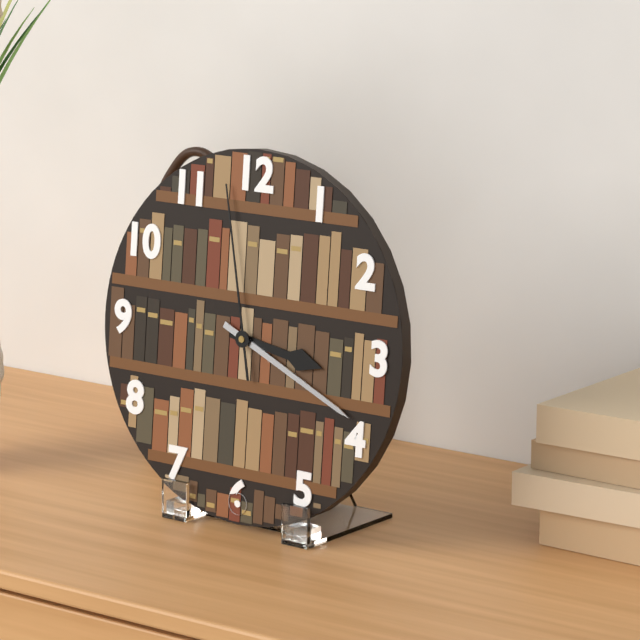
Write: 3:19:58
